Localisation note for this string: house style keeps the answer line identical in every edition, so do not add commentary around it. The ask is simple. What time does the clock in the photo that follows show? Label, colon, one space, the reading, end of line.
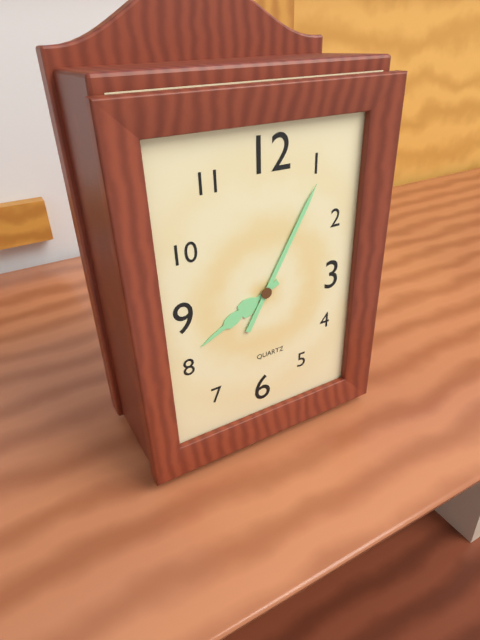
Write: 8:05
